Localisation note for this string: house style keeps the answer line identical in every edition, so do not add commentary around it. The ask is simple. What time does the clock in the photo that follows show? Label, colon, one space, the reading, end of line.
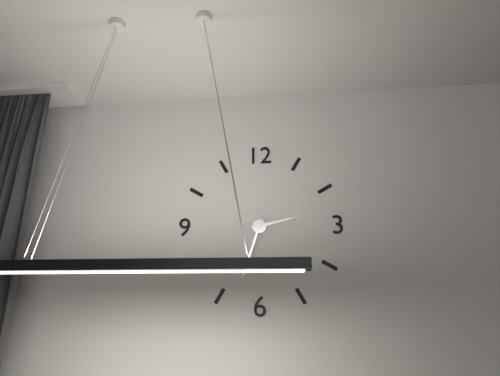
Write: 2:33
